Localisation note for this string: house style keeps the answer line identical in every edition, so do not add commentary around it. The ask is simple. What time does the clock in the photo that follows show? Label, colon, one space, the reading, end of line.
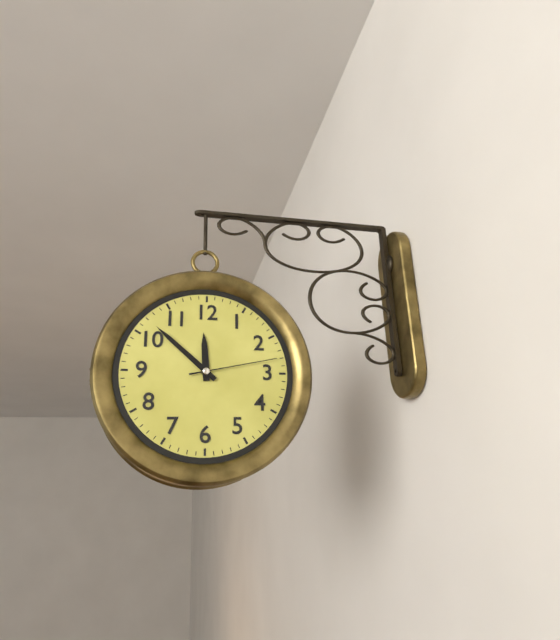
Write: 11:52:13
